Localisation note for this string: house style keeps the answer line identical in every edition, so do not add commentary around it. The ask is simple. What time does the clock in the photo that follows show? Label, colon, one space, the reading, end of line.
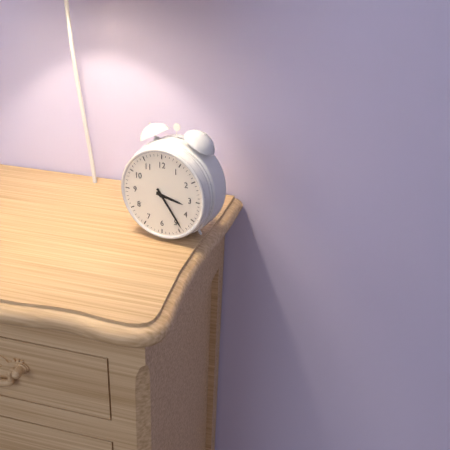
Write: 3:24
